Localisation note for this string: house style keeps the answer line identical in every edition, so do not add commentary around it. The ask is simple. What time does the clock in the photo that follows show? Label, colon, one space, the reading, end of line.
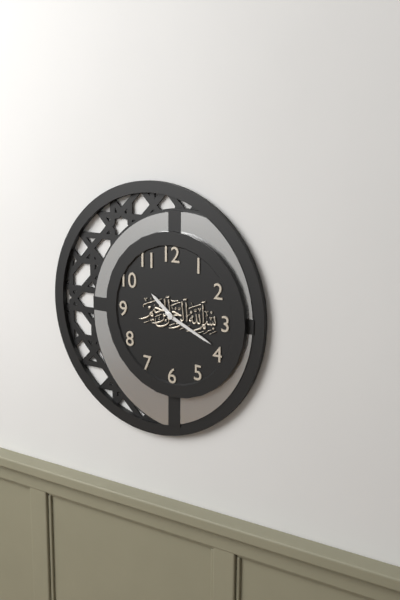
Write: 10:19
